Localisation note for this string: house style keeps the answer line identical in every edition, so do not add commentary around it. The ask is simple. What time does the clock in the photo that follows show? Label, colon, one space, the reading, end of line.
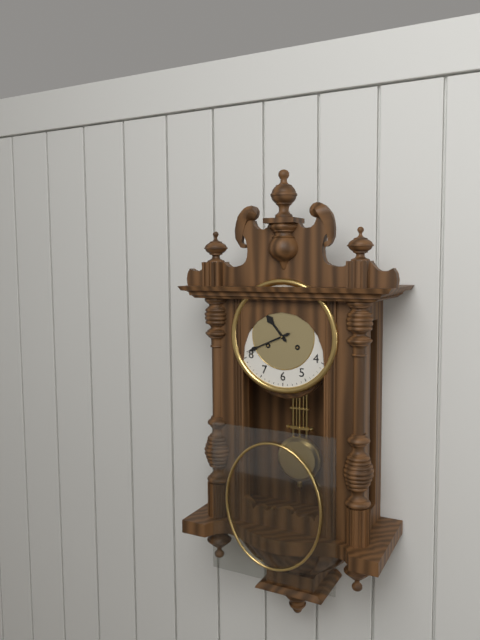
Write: 10:41
